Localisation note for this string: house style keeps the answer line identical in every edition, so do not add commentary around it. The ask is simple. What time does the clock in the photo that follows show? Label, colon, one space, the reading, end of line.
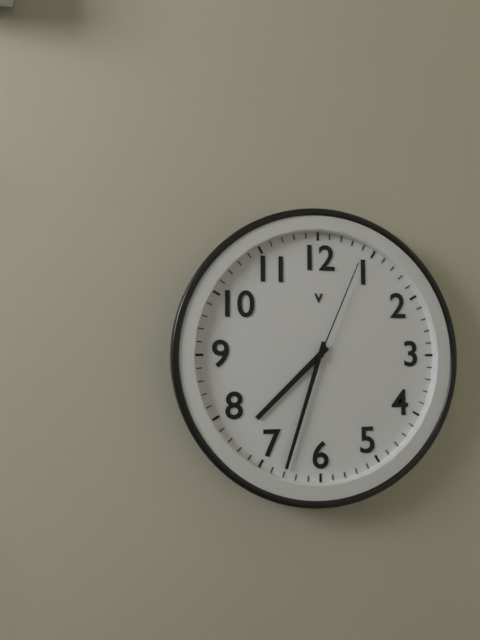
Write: 7:33:04
